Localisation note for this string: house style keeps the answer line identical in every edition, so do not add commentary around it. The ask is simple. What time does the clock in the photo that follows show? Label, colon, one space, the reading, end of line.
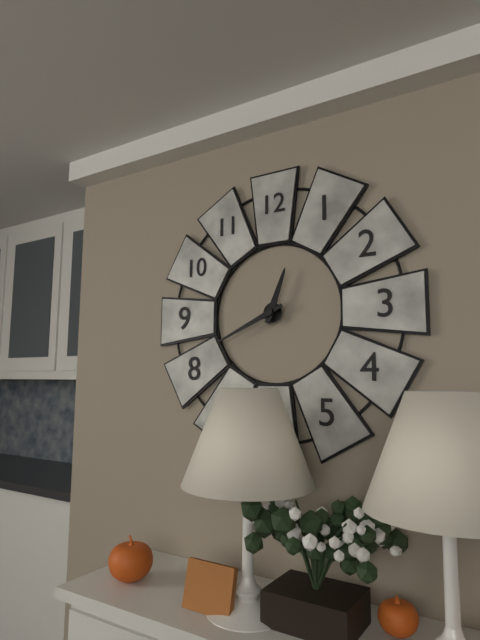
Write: 12:41
